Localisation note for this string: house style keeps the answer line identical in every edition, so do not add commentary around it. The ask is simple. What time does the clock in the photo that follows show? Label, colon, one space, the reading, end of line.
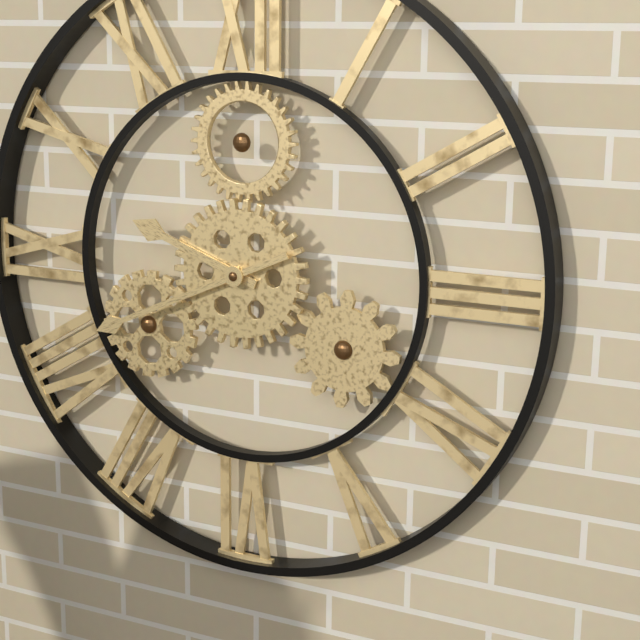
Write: 9:41
